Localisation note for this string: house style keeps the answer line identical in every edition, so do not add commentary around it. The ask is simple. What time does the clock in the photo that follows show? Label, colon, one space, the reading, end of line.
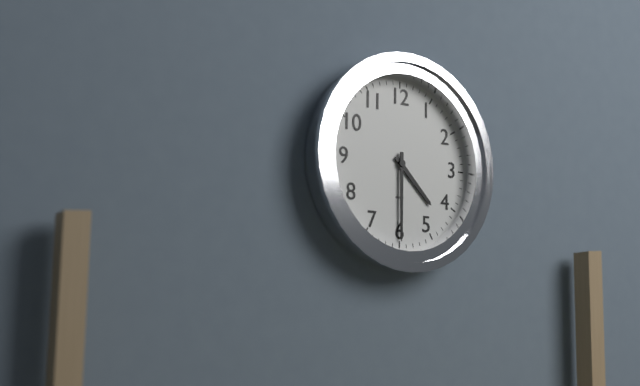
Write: 4:30
